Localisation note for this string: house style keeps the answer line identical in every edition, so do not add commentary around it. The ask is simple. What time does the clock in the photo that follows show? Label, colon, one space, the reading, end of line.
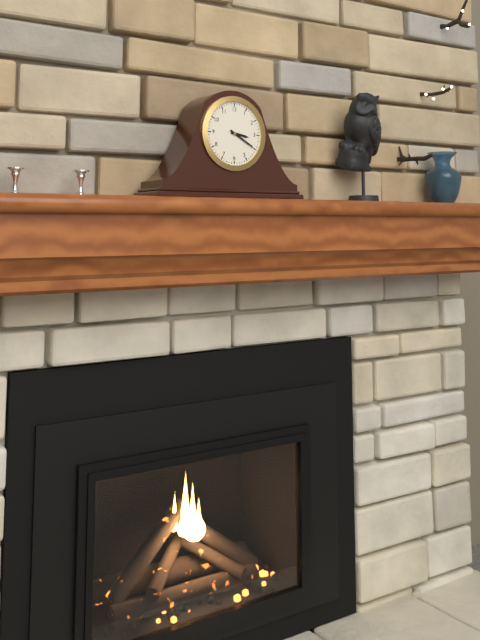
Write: 3:20
